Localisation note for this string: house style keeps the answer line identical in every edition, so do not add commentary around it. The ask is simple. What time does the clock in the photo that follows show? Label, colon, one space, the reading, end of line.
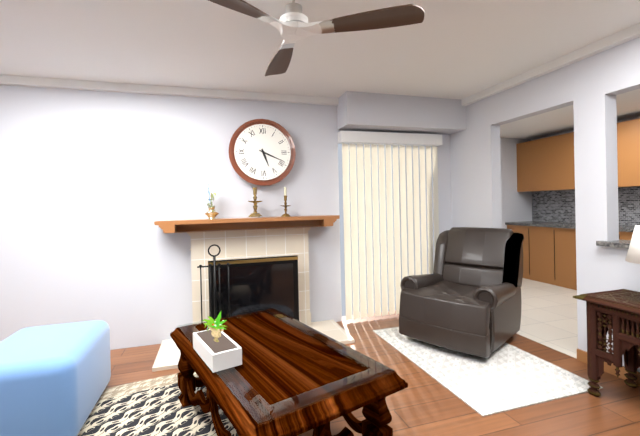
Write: 5:19
